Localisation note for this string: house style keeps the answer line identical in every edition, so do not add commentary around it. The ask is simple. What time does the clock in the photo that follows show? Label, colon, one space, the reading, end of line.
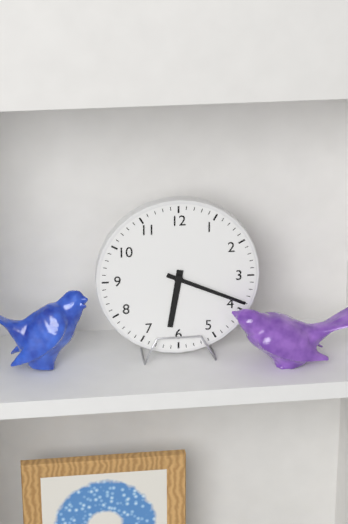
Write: 6:19
